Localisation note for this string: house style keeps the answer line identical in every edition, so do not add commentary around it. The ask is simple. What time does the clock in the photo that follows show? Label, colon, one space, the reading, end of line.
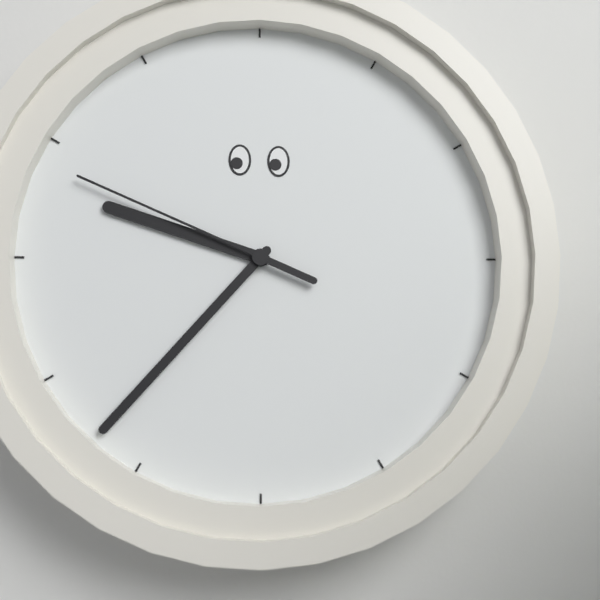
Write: 9:37:49
